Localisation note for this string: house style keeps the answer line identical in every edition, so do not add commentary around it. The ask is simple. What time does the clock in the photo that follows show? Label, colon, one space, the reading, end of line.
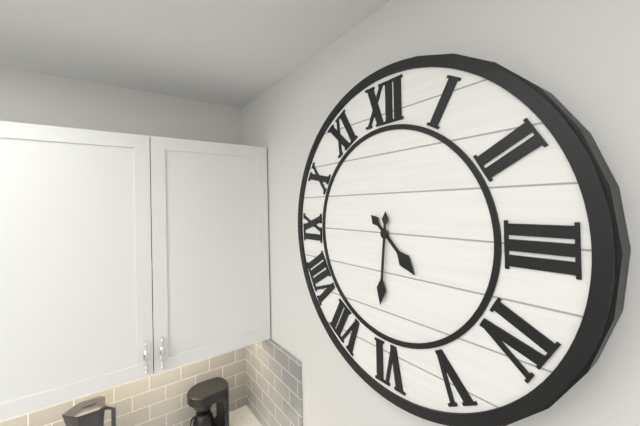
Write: 4:31
